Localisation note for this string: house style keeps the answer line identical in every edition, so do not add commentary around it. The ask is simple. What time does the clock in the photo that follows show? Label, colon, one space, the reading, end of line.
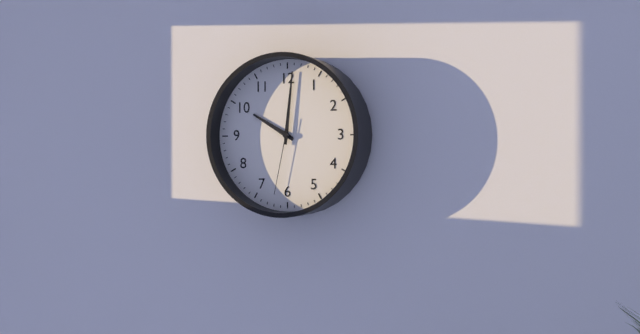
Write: 10:01:32
